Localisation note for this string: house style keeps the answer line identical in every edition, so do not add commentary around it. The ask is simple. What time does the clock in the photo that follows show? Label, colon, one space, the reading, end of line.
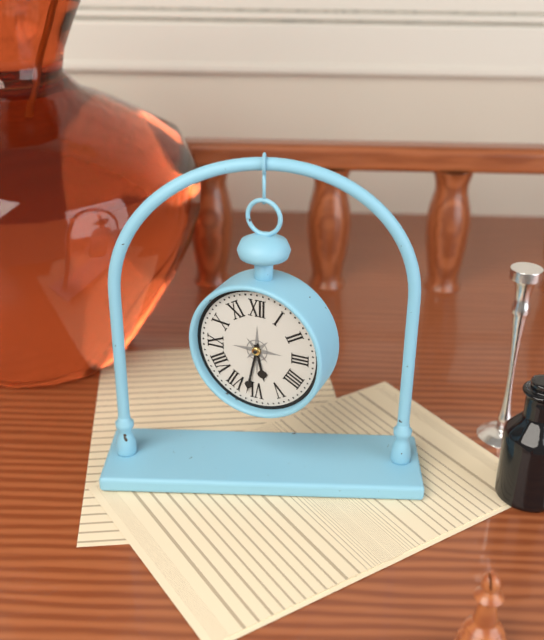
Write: 5:32
